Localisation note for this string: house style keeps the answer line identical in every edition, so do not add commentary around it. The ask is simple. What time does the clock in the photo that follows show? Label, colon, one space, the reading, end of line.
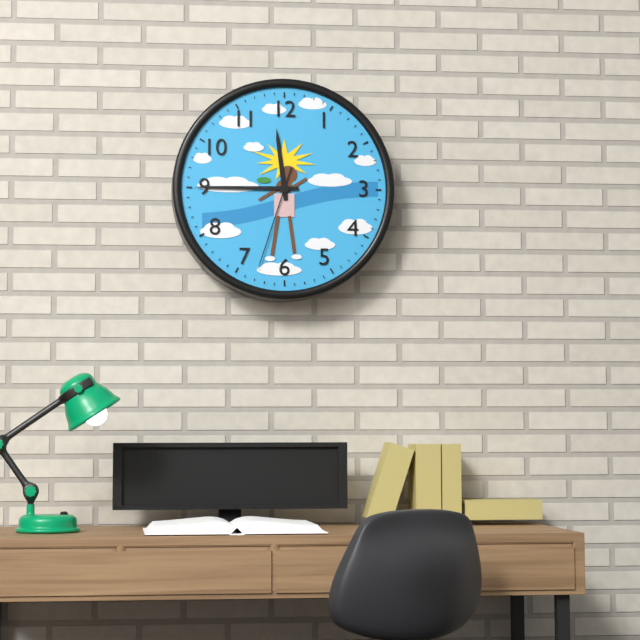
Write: 11:45:33
